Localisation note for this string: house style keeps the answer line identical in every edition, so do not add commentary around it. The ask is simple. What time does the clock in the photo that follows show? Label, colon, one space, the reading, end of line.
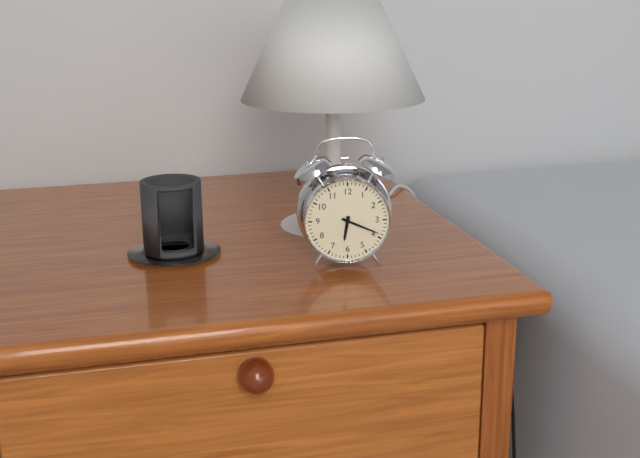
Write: 6:19
